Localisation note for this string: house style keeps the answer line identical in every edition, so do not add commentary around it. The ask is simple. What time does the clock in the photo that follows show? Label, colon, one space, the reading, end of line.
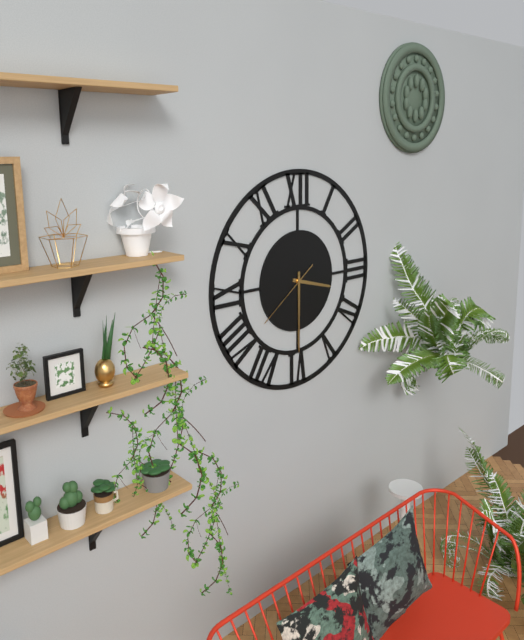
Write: 3:30:39
